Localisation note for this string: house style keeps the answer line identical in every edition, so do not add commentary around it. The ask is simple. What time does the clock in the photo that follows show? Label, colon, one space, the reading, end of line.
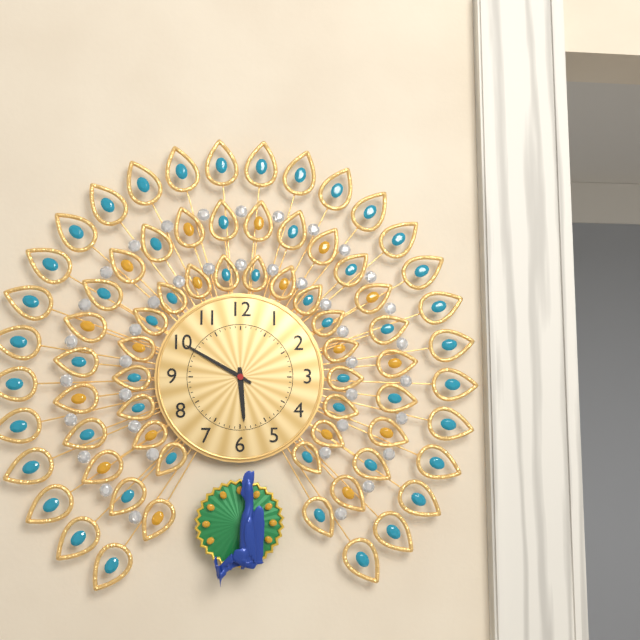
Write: 5:50
